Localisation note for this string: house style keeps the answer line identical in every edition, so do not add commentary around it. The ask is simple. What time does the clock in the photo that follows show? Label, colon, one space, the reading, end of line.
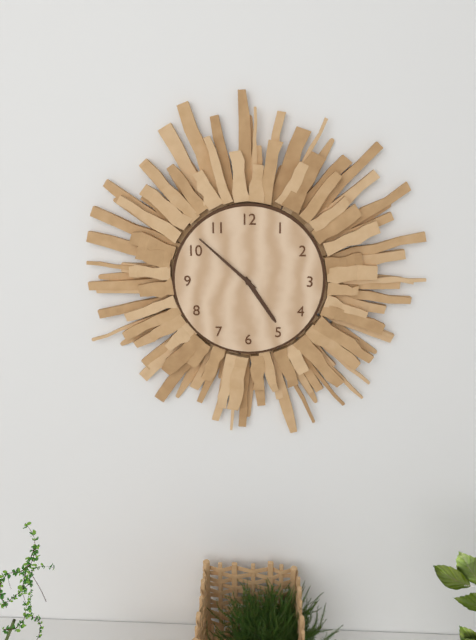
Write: 4:52
